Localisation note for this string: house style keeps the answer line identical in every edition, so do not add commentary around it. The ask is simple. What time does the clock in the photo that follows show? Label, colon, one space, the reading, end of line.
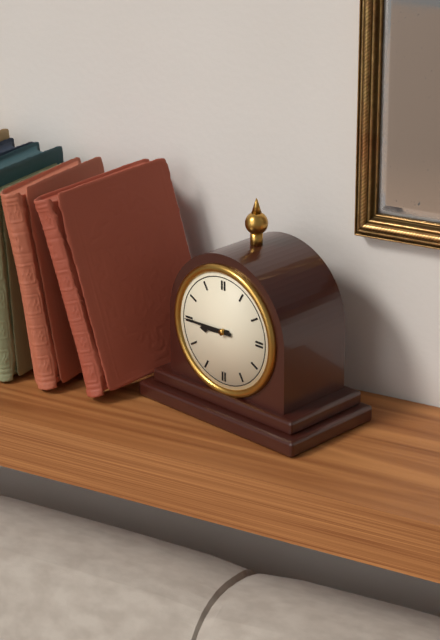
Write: 8:45
